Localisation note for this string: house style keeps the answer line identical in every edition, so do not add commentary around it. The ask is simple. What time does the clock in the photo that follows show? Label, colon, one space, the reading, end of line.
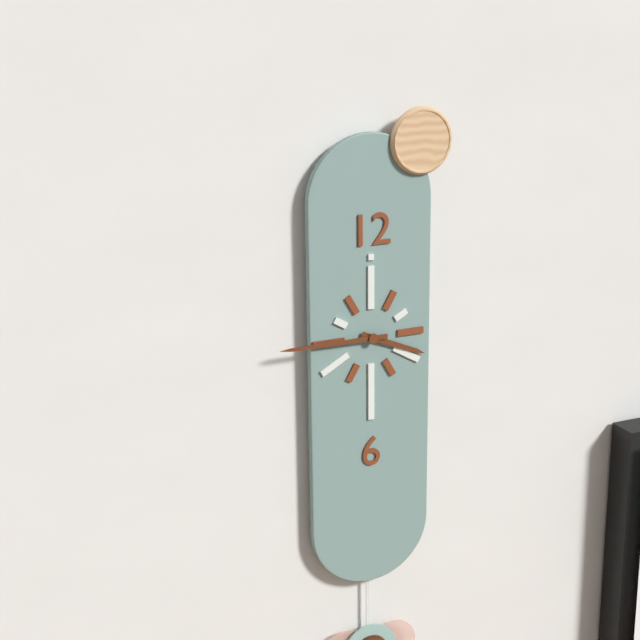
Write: 3:45
